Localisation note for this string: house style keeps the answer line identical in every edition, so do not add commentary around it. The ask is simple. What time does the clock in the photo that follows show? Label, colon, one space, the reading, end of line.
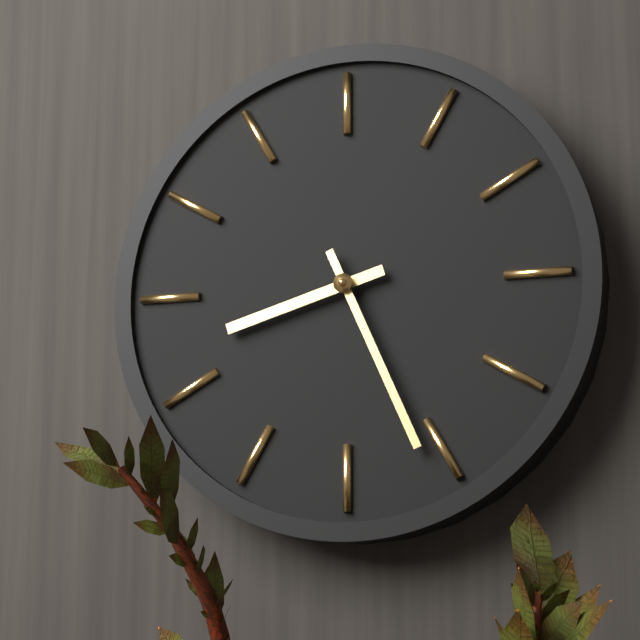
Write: 8:26
